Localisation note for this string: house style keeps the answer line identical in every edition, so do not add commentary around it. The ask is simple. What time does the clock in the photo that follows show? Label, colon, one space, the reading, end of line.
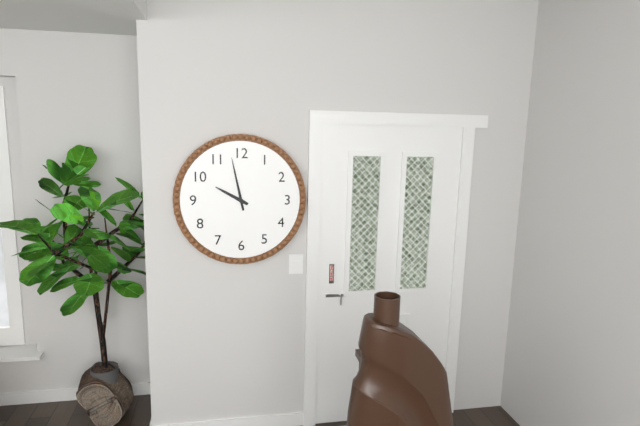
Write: 9:58
